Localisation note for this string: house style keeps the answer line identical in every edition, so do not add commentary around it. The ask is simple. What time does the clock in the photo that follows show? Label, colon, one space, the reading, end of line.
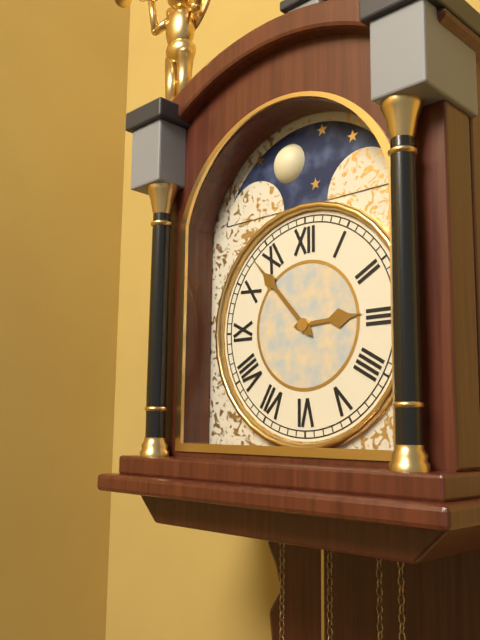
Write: 2:53
